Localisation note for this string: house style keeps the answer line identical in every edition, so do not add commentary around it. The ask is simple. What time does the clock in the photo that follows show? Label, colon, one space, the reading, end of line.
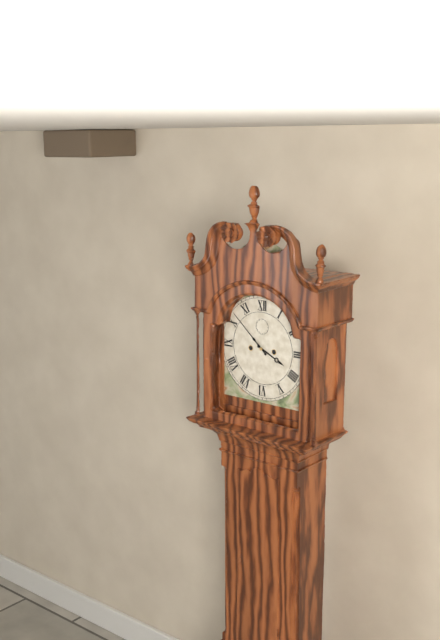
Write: 3:52
